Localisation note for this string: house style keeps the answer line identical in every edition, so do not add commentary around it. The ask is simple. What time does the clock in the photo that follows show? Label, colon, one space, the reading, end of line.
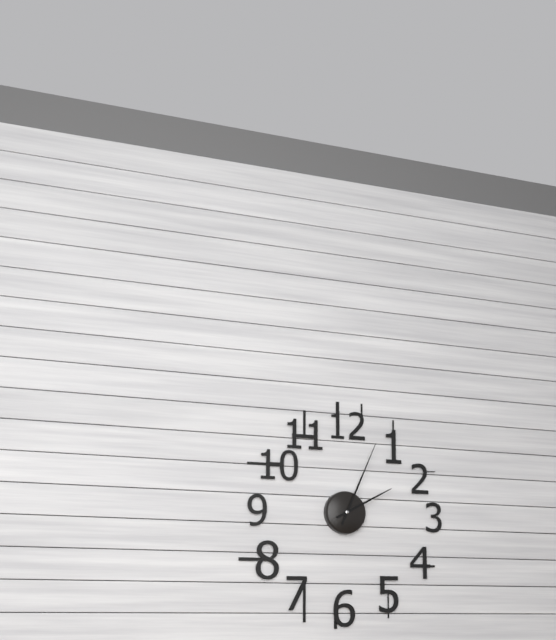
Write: 2:04
